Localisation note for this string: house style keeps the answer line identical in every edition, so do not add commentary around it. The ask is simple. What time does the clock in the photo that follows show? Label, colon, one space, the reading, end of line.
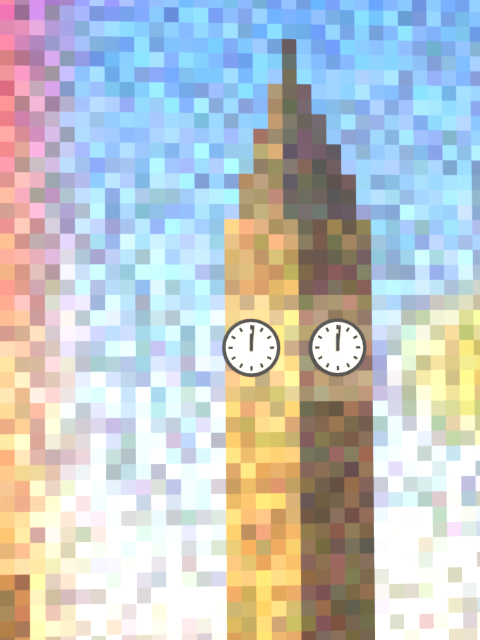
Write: 12:01
